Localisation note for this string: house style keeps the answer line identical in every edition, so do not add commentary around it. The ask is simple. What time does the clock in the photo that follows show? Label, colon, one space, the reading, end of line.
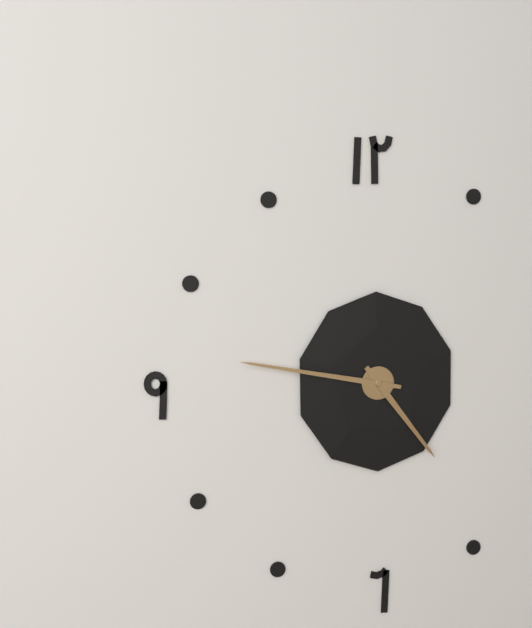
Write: 4:47
